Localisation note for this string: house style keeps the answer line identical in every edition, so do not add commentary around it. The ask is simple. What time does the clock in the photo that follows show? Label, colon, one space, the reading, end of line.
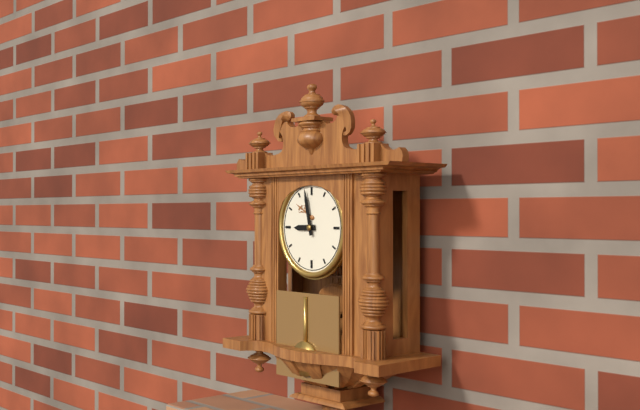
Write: 8:58
